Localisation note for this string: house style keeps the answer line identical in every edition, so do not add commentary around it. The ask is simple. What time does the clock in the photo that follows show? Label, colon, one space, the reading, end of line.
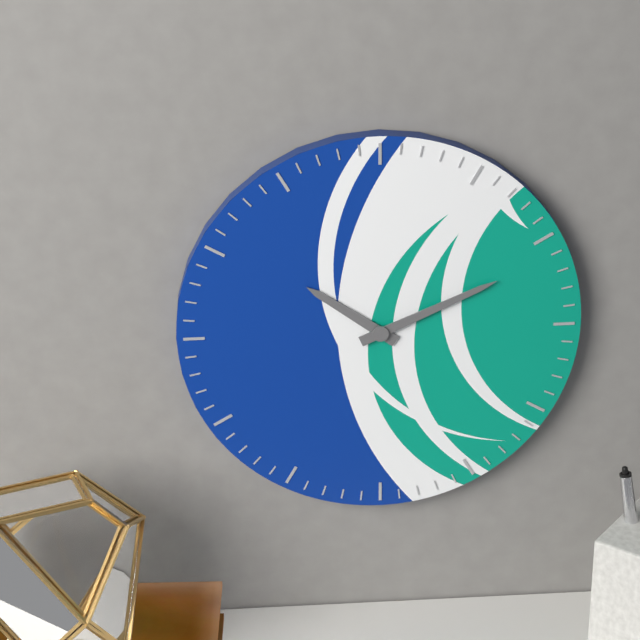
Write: 10:11
